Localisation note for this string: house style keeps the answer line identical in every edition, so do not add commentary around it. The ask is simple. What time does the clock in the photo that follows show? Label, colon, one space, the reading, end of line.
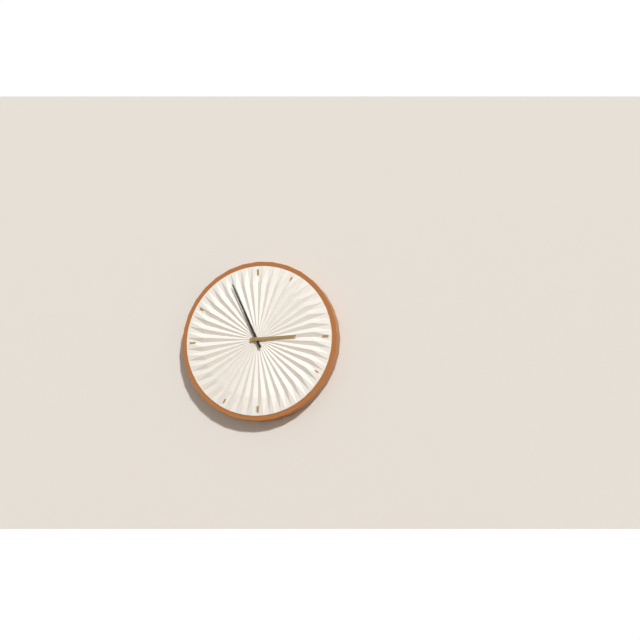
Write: 2:56
